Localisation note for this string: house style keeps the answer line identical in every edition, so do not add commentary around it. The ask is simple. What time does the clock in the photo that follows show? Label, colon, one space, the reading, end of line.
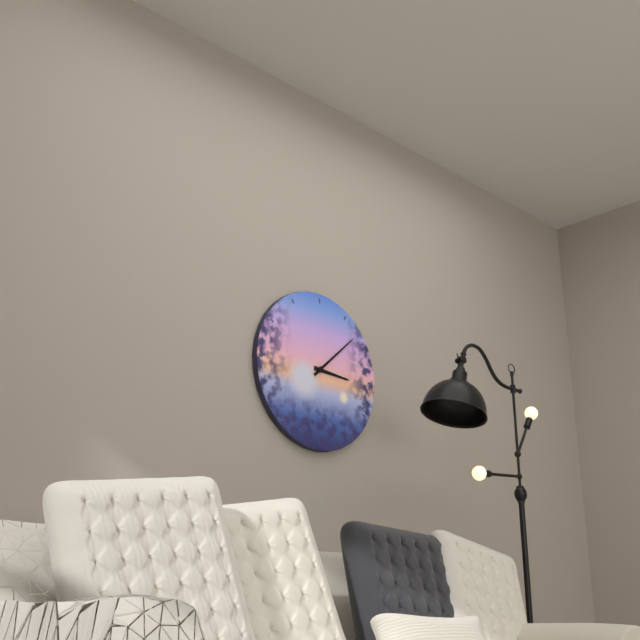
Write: 3:08
